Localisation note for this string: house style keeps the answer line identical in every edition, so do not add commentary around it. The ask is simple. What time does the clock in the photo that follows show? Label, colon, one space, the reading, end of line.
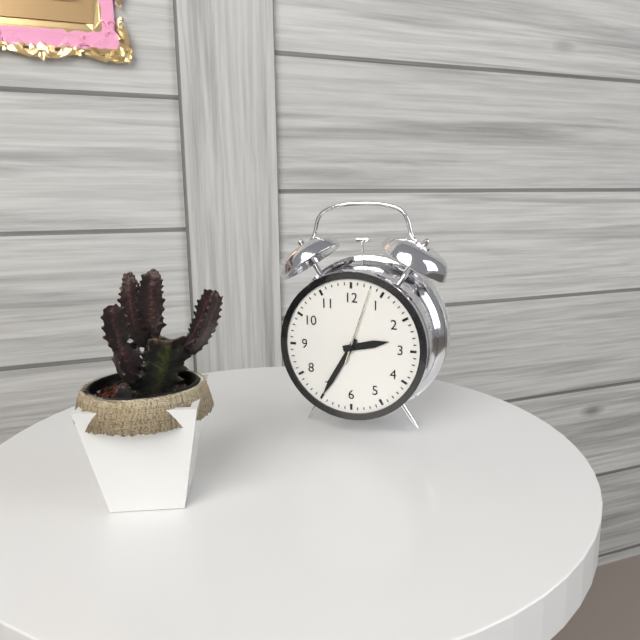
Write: 2:35:03
